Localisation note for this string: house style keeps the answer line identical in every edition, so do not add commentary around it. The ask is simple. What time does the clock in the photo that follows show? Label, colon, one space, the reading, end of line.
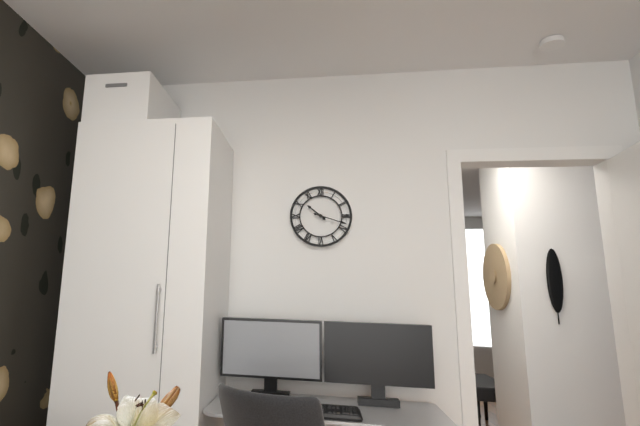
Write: 10:18
